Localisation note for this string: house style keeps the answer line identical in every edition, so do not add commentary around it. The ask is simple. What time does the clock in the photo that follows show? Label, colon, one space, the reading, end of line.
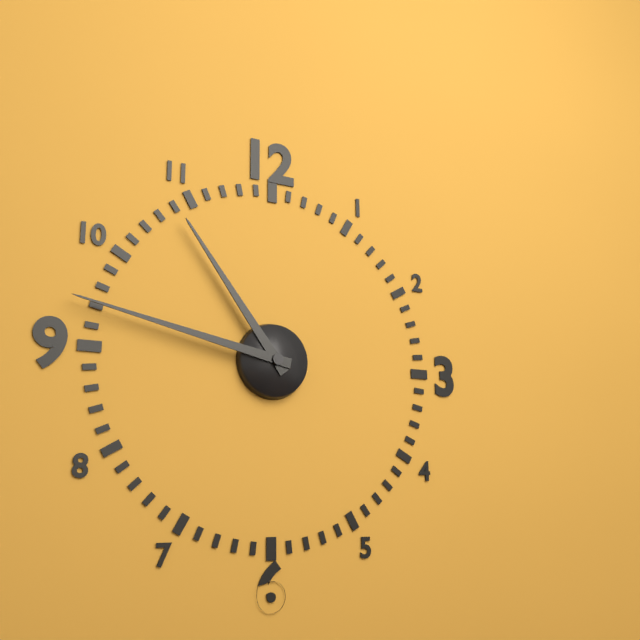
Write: 10:47
